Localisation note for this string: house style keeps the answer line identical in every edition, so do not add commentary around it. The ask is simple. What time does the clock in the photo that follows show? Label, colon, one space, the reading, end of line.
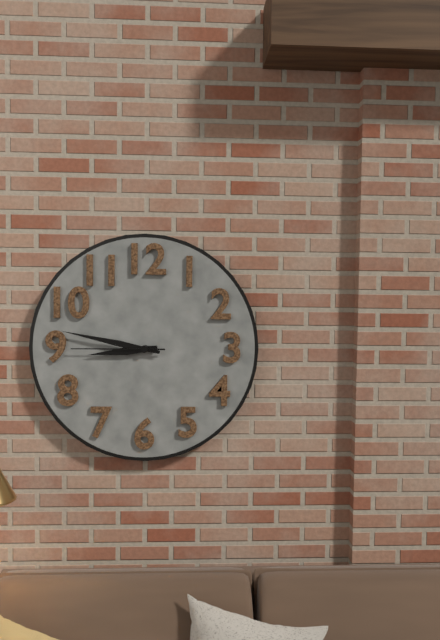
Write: 8:47:45
